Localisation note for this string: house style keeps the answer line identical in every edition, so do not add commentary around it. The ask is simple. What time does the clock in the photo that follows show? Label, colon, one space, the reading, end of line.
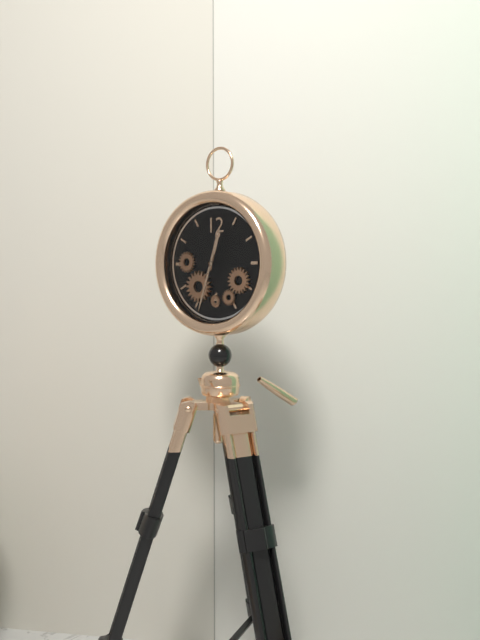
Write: 12:33
